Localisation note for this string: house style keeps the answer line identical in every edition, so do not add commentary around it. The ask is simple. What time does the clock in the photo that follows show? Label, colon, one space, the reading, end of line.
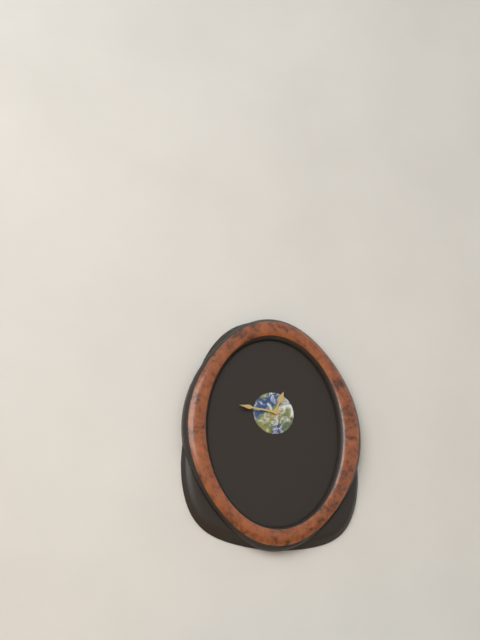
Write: 12:46
